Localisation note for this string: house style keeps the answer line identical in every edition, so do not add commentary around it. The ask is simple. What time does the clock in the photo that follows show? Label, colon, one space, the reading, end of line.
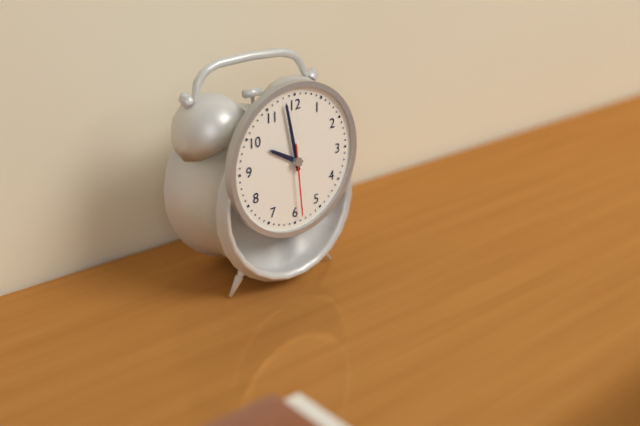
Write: 9:58:29
